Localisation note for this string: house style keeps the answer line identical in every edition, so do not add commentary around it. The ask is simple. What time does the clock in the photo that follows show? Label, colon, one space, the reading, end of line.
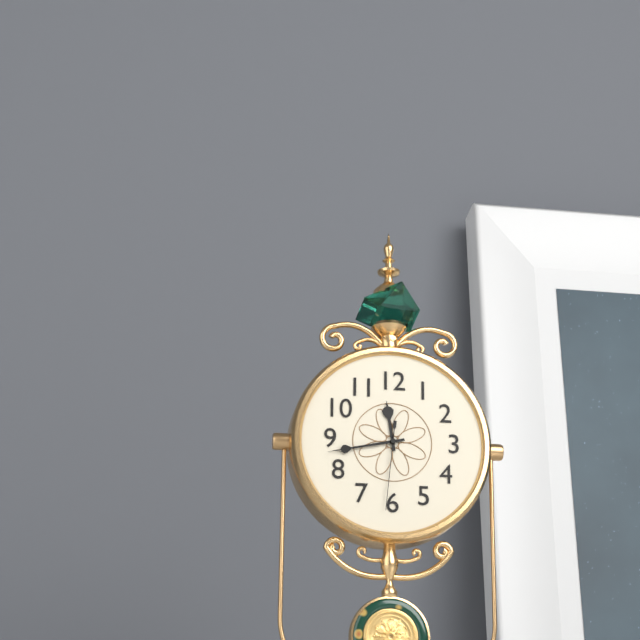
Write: 11:43:31
